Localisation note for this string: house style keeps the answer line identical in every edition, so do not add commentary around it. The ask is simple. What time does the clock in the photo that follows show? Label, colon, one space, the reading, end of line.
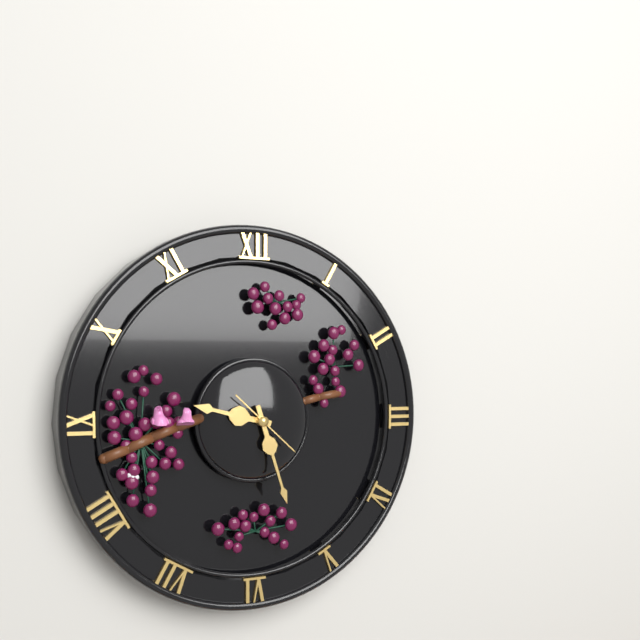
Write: 9:27:22
